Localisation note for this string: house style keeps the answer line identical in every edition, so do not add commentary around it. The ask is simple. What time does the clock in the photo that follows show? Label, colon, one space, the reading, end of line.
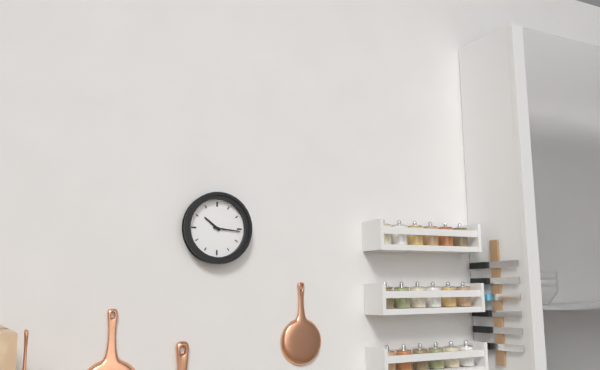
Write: 10:16
